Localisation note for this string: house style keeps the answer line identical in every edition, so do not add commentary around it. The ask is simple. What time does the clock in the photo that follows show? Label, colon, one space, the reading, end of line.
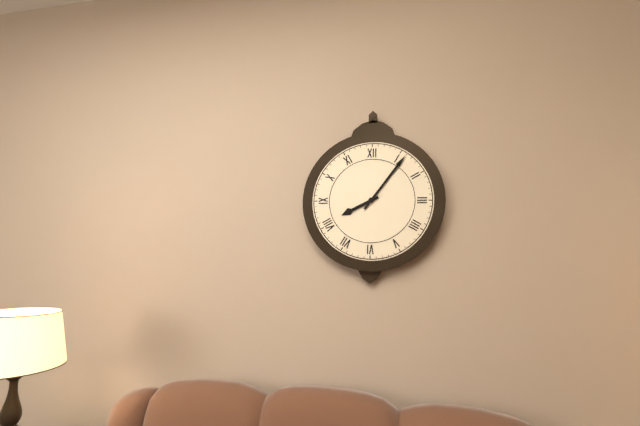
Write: 8:06
